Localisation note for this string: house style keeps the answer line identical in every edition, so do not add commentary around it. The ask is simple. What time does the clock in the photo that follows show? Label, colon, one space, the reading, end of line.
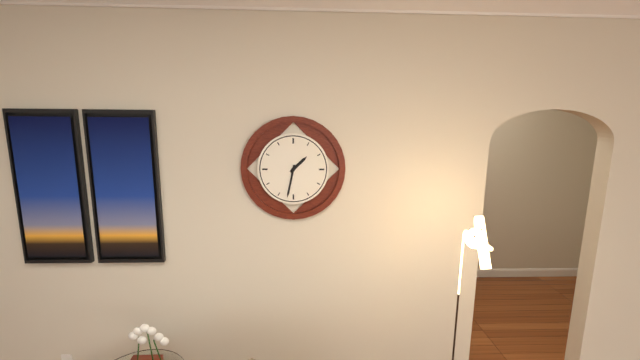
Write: 1:32
